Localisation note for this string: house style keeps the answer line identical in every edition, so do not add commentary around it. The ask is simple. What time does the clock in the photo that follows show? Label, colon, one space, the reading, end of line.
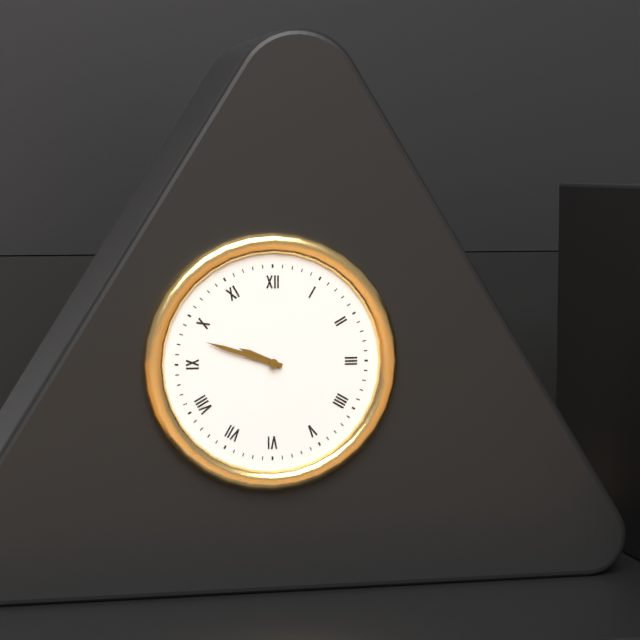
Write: 9:48
